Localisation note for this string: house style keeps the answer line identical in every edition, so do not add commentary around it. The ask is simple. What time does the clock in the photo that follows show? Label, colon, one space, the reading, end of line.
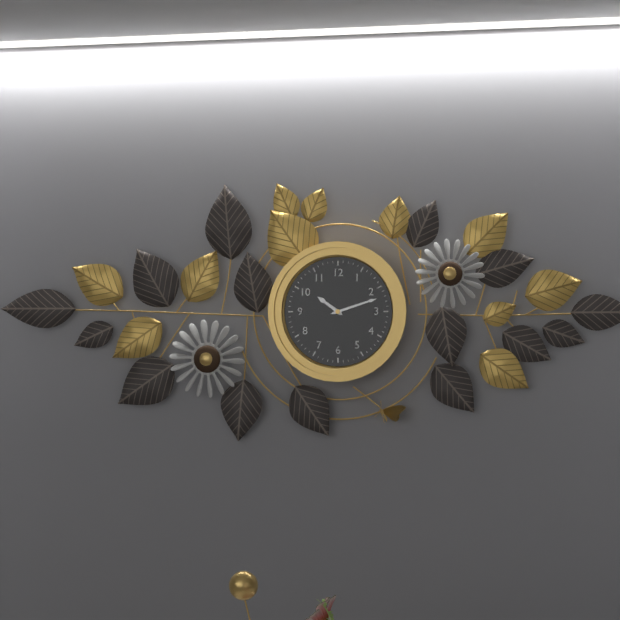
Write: 10:12
